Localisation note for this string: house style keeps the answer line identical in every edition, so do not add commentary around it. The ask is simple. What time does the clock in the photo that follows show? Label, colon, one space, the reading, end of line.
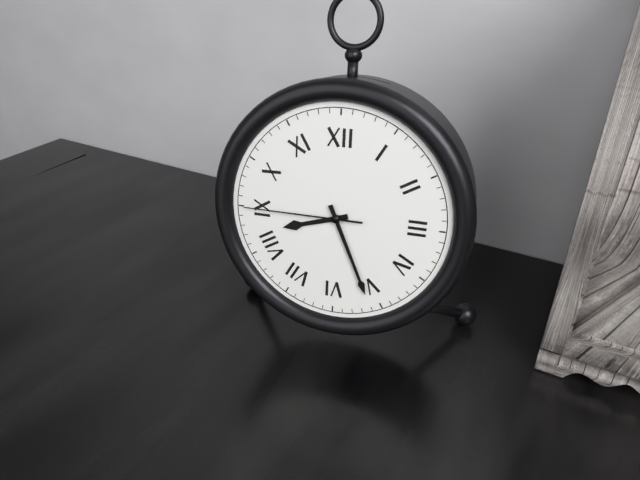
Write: 8:26:45
